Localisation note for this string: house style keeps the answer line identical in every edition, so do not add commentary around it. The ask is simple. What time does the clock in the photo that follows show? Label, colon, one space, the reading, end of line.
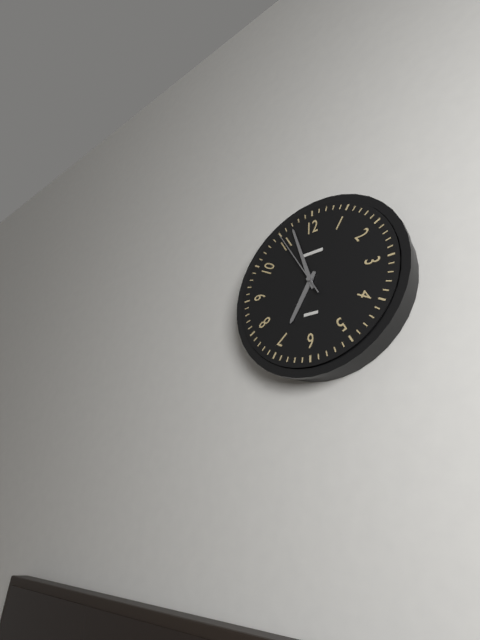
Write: 6:57:55
